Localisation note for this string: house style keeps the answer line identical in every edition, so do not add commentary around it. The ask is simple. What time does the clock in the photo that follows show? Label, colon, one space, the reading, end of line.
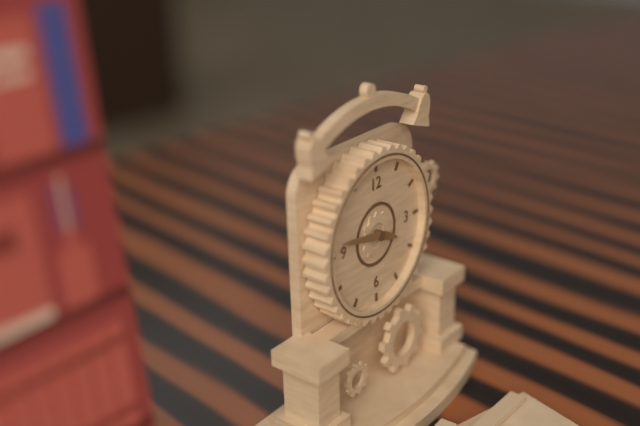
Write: 3:47
